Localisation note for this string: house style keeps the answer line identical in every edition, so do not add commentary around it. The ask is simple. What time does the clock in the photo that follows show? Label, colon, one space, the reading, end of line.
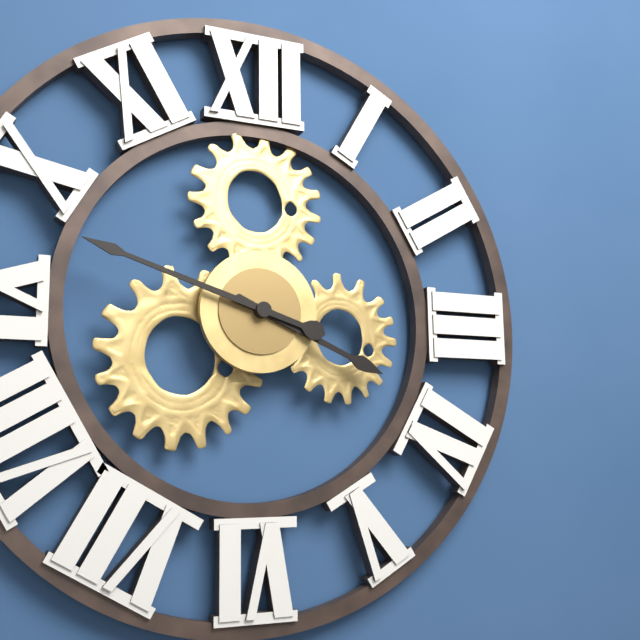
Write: 3:48
